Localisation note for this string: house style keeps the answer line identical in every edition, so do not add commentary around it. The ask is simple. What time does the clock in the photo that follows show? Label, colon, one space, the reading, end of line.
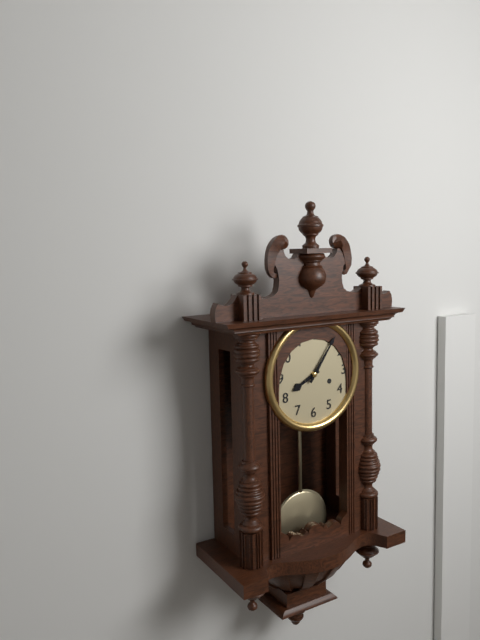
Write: 8:06
